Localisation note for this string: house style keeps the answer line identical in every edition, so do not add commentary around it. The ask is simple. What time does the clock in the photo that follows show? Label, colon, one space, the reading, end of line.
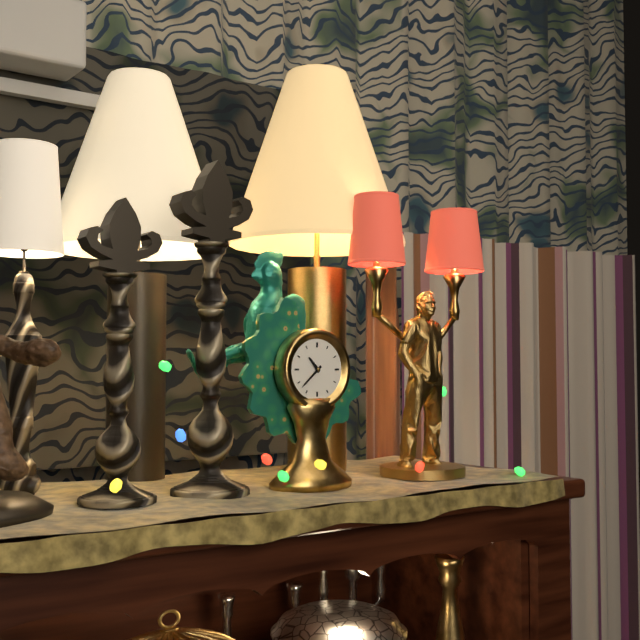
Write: 10:38
